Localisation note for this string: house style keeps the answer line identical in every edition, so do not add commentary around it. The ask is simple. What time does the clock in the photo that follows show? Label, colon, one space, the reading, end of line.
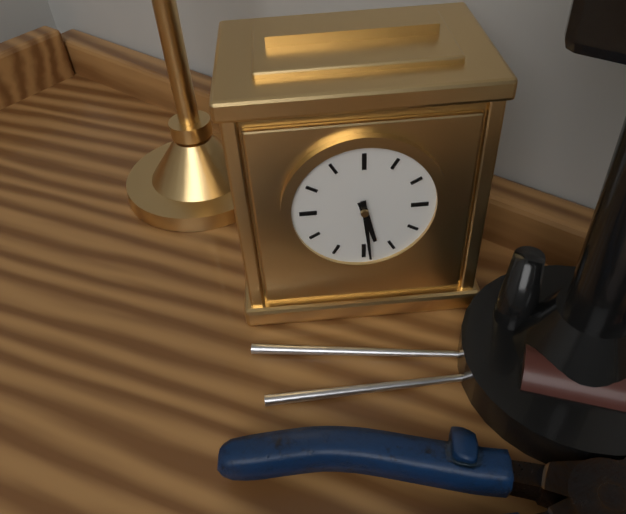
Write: 5:29
